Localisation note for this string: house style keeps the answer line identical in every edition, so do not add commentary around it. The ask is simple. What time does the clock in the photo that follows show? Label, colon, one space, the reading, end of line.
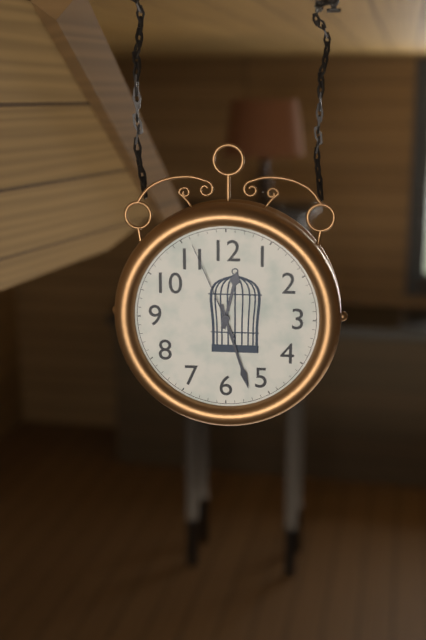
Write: 12:27:56
